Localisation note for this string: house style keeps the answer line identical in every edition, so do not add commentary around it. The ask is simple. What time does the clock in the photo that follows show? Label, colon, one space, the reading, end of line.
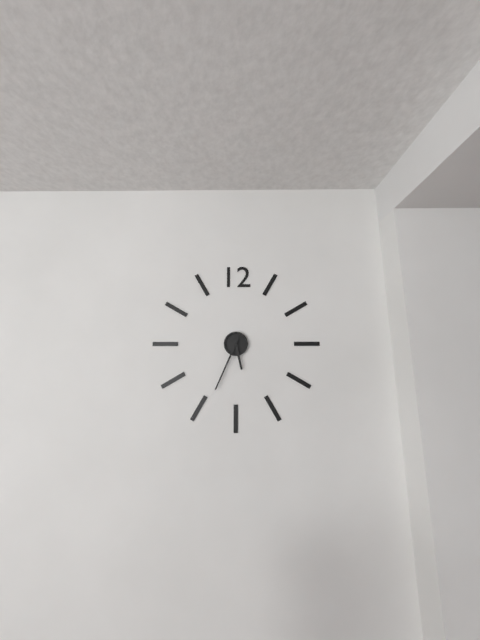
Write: 5:34
